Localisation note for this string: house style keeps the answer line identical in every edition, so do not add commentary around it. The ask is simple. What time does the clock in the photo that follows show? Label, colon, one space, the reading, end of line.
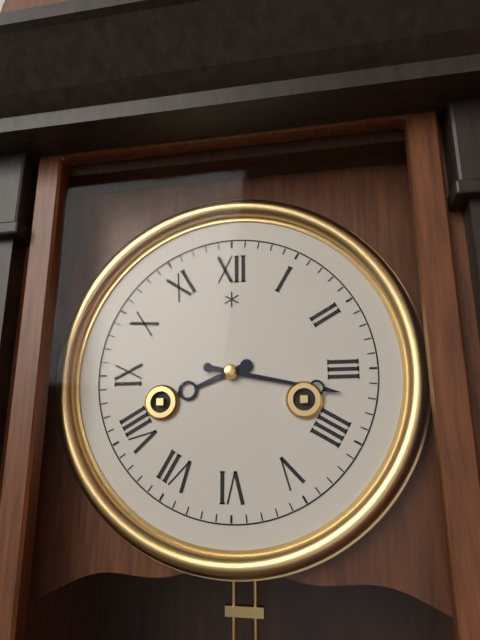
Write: 8:17
